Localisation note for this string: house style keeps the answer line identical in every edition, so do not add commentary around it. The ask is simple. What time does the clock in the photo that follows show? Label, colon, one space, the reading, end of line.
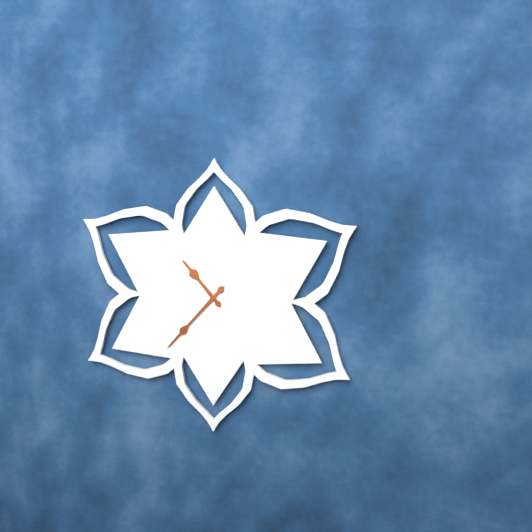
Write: 10:37
